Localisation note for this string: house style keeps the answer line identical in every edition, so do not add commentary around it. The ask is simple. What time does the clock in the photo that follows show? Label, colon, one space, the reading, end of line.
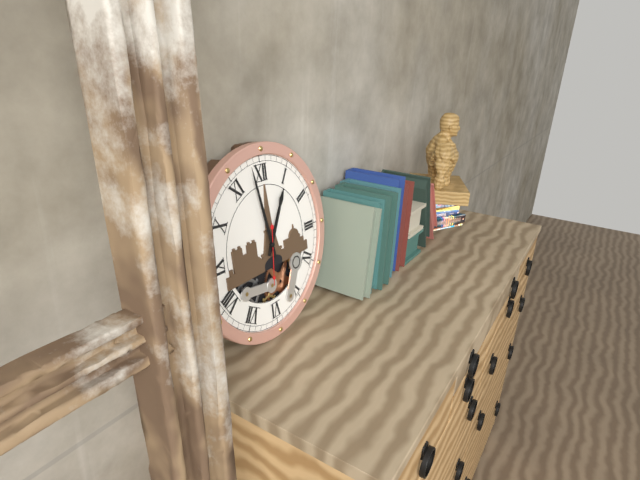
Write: 12:58:31
